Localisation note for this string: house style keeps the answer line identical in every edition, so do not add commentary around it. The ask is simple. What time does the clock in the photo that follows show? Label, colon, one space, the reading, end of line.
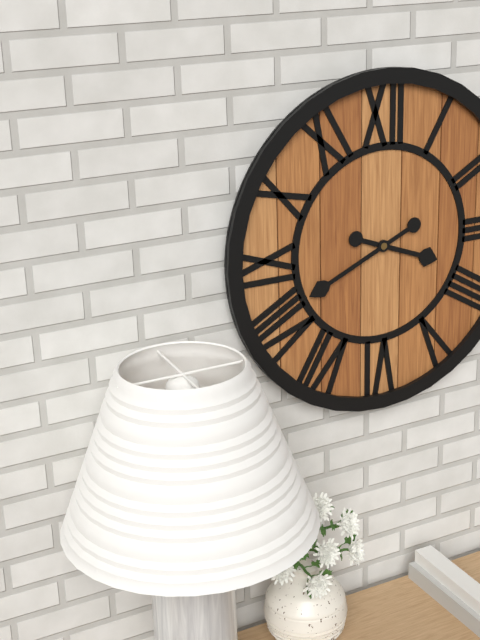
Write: 3:41
